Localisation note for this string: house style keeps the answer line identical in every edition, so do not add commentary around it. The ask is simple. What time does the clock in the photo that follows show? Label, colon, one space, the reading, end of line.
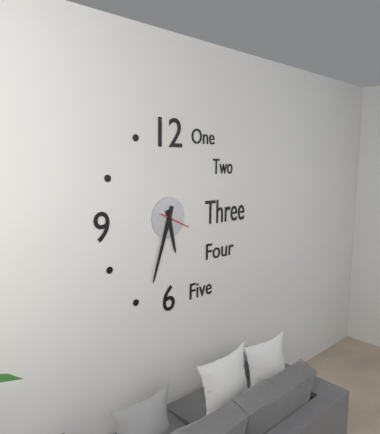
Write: 5:33
